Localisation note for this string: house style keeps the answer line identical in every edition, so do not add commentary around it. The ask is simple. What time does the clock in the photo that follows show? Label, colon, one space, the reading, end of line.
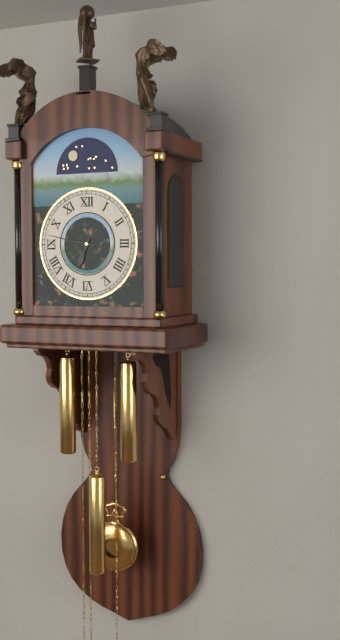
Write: 6:47
